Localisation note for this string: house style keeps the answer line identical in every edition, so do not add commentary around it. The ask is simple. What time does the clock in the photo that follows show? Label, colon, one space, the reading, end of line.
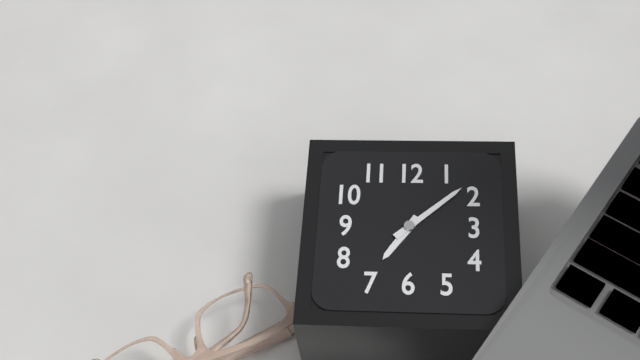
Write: 7:08
